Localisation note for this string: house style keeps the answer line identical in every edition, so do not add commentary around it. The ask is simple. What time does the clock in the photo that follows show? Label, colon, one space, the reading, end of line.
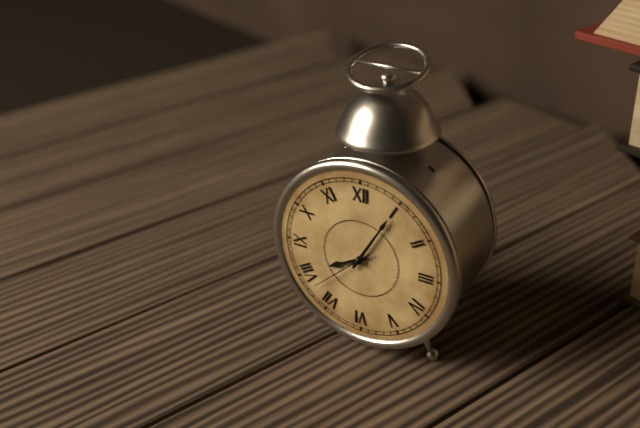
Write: 8:05:38
